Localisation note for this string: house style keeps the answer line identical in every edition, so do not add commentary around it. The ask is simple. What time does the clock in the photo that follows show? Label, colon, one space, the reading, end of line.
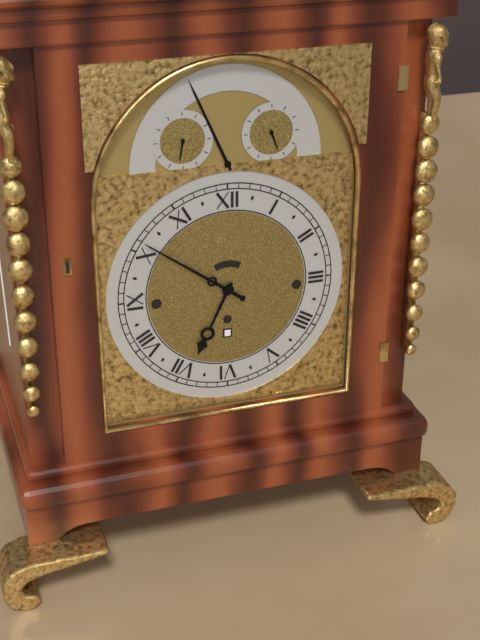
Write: 6:51
